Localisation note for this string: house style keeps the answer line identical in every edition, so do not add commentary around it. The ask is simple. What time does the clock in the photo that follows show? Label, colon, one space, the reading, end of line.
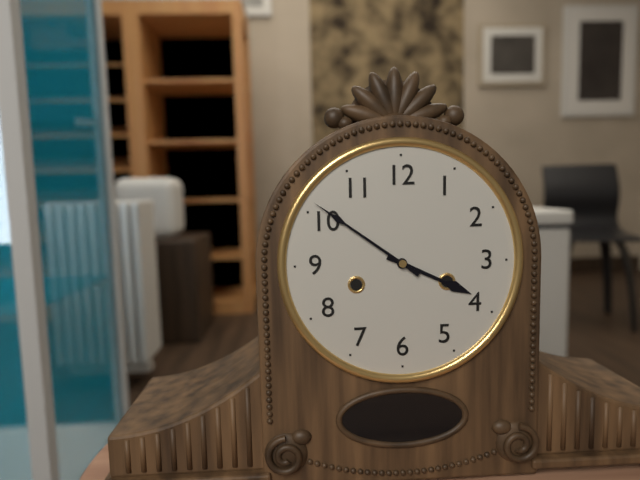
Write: 3:51
